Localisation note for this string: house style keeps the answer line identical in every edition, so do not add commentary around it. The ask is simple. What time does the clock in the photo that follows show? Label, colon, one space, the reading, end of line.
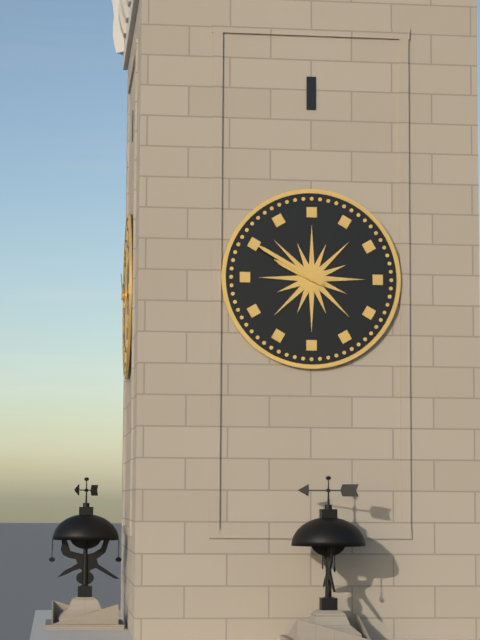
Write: 9:50
